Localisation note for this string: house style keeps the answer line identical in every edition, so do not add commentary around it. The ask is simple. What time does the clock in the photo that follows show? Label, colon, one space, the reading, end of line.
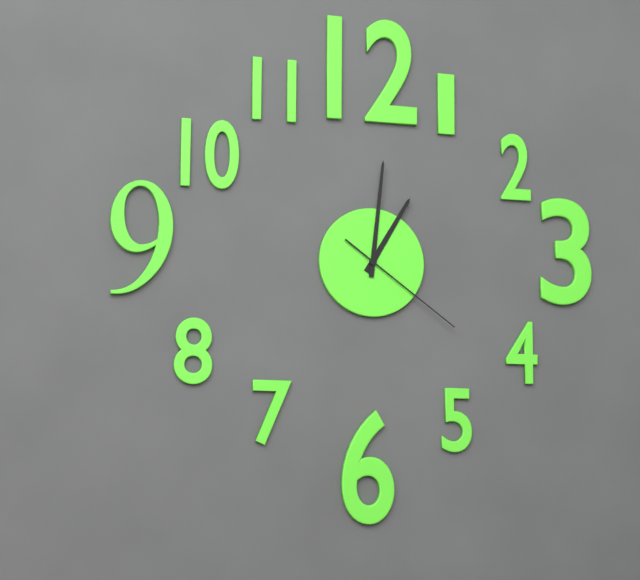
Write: 1:01:21
